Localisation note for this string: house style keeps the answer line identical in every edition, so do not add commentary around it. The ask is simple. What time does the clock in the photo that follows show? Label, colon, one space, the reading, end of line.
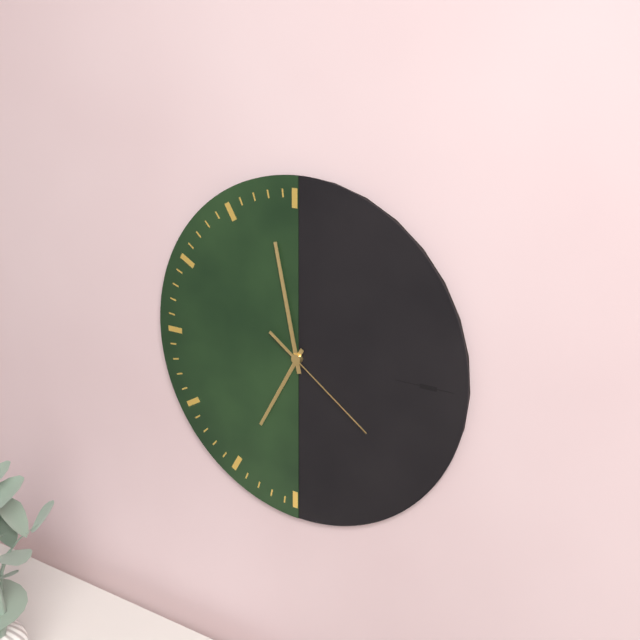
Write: 6:58:21
